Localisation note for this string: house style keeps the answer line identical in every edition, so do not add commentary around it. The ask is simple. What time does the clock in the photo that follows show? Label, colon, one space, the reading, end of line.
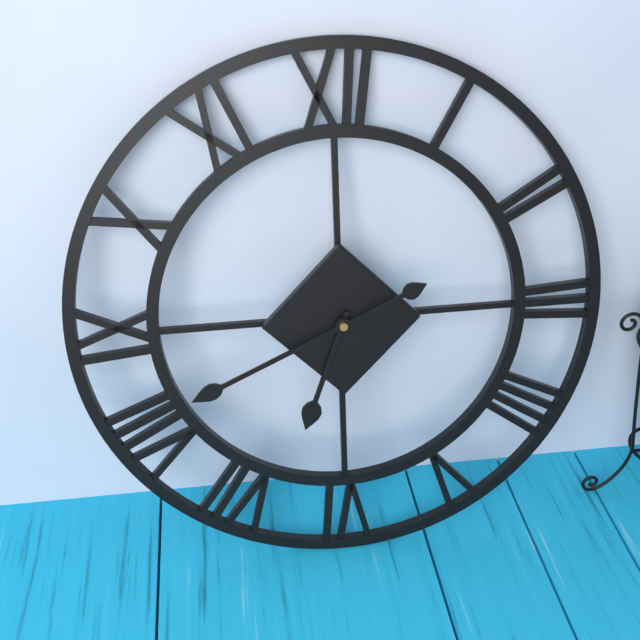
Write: 6:41
